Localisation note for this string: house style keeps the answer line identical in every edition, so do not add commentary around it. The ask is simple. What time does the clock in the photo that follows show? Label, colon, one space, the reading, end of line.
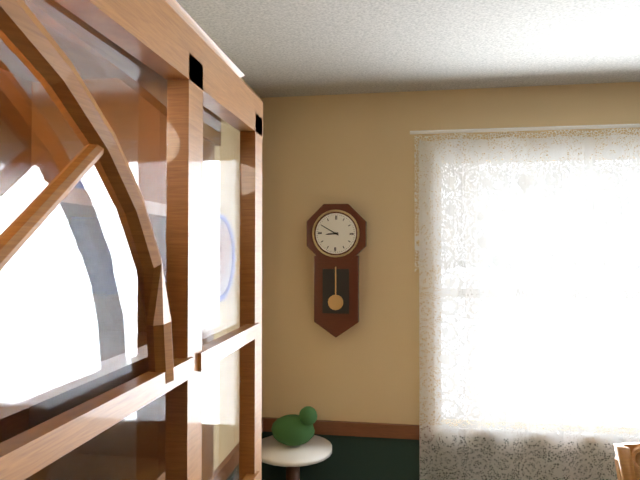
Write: 8:50
